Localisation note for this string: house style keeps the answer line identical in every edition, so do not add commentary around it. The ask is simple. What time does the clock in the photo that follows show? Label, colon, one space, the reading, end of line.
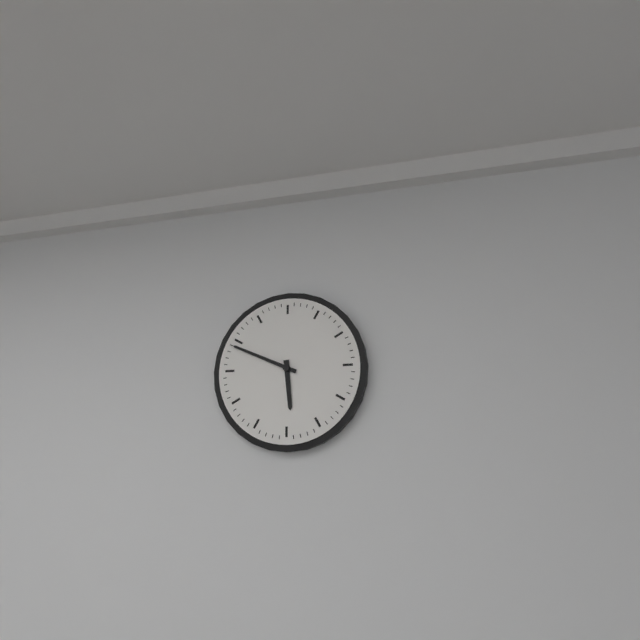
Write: 5:49
